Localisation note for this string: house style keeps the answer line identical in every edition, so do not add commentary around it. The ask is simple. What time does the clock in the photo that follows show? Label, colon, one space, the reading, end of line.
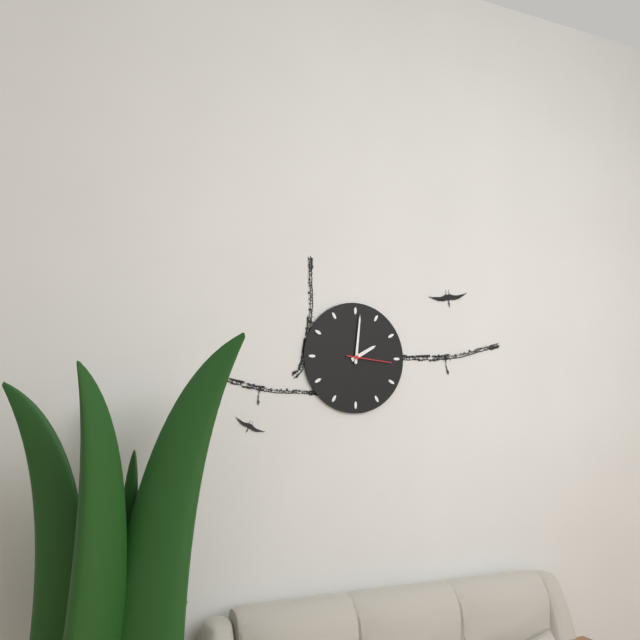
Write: 2:01
